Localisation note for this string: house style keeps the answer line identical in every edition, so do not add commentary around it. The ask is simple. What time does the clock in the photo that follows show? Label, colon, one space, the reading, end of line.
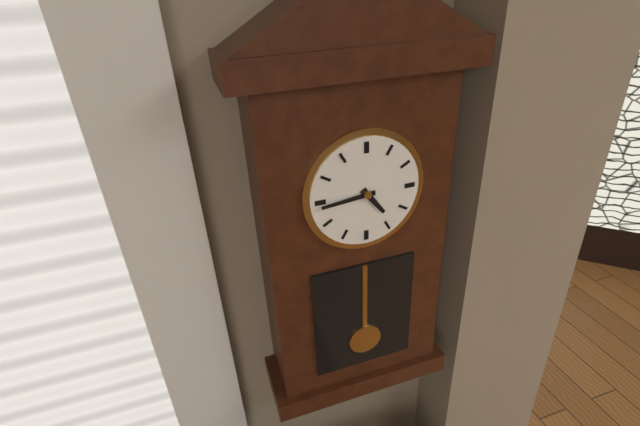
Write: 4:44
